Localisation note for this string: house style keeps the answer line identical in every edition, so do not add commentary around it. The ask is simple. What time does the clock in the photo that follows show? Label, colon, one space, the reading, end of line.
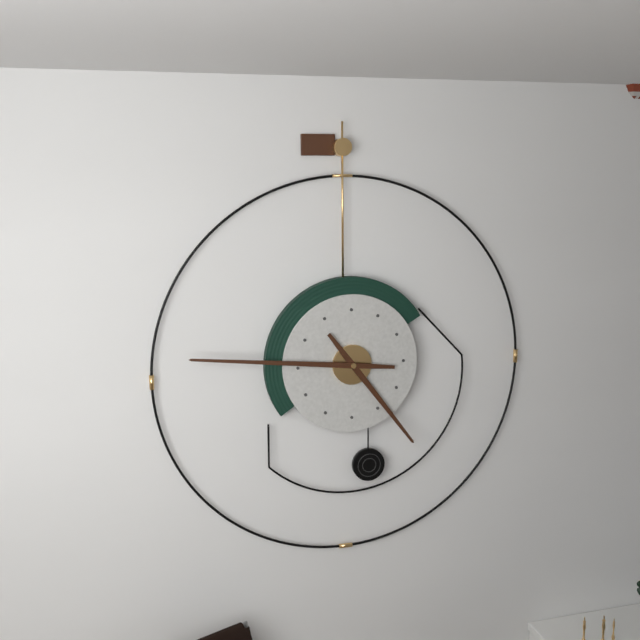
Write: 4:46
